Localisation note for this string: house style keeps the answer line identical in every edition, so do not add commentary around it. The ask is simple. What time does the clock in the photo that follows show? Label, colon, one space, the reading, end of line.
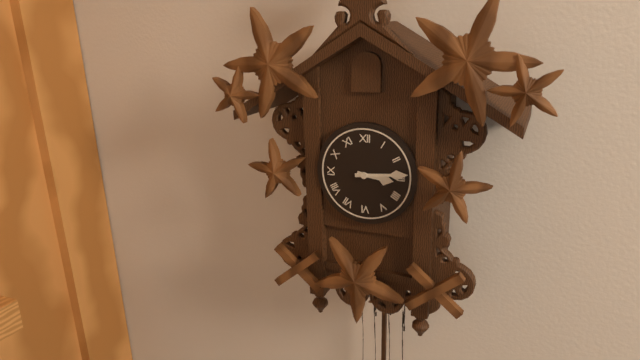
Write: 3:14
